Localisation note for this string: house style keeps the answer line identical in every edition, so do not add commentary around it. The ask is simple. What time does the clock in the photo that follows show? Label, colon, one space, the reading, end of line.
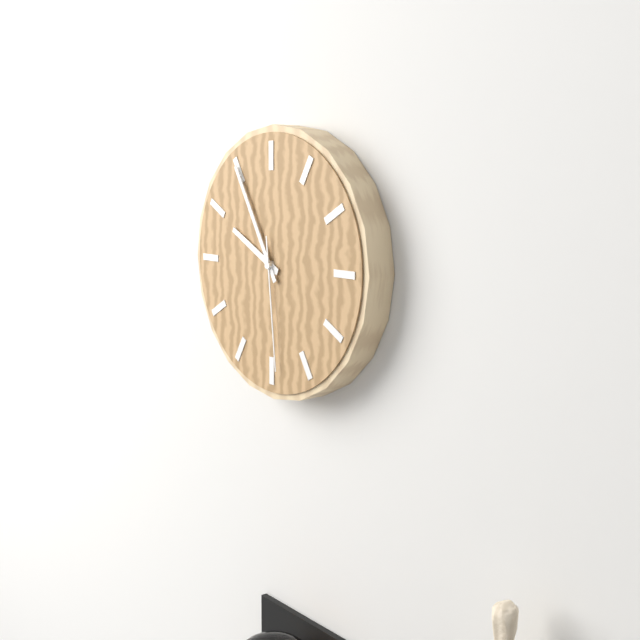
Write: 9:55:29
